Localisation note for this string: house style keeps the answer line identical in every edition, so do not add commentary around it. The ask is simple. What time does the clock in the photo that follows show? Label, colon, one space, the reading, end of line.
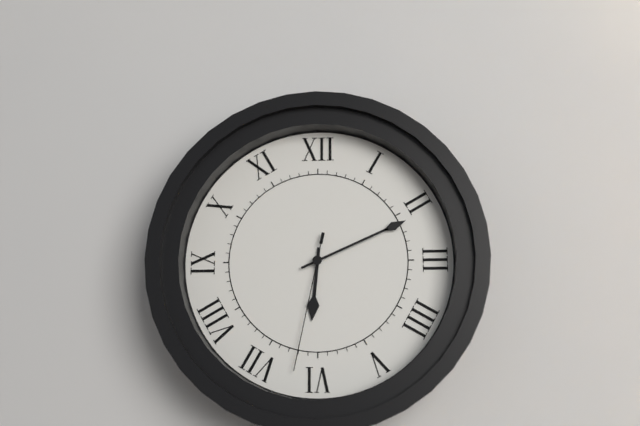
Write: 6:11:32
